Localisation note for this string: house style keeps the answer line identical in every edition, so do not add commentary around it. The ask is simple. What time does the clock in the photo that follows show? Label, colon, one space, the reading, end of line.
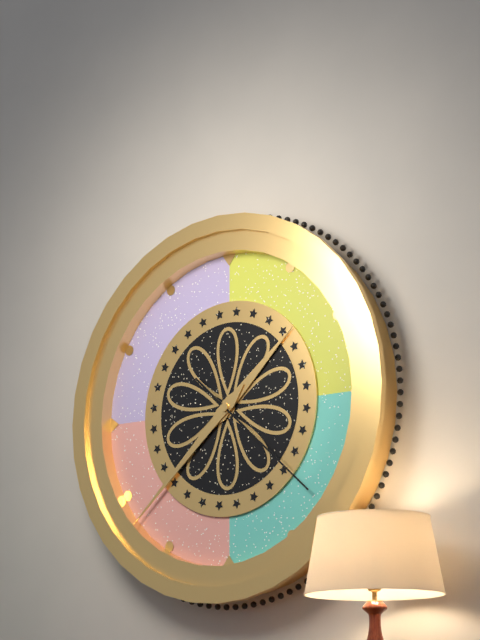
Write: 1:38:22
